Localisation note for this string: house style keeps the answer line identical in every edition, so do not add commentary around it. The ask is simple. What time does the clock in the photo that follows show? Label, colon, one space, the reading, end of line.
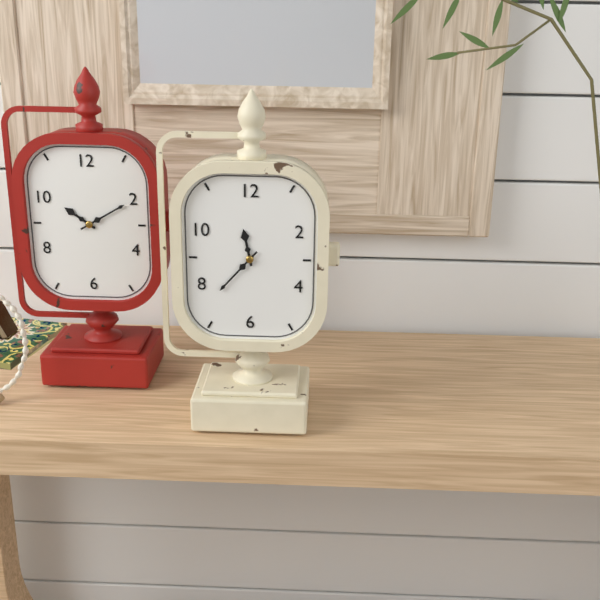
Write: 11:37
